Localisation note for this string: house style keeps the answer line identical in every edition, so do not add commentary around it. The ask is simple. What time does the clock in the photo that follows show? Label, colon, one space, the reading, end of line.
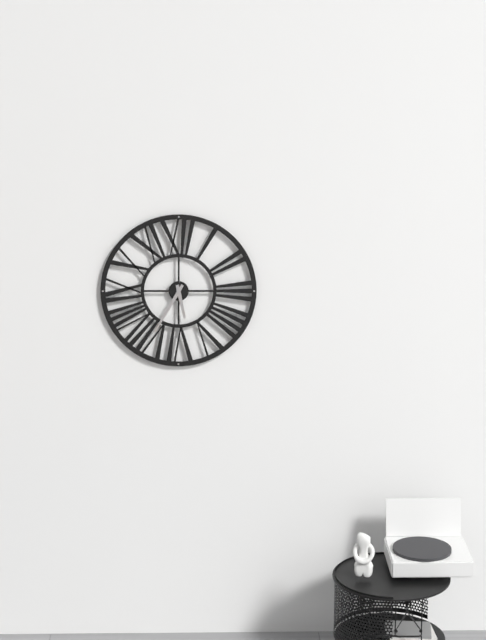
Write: 5:35
